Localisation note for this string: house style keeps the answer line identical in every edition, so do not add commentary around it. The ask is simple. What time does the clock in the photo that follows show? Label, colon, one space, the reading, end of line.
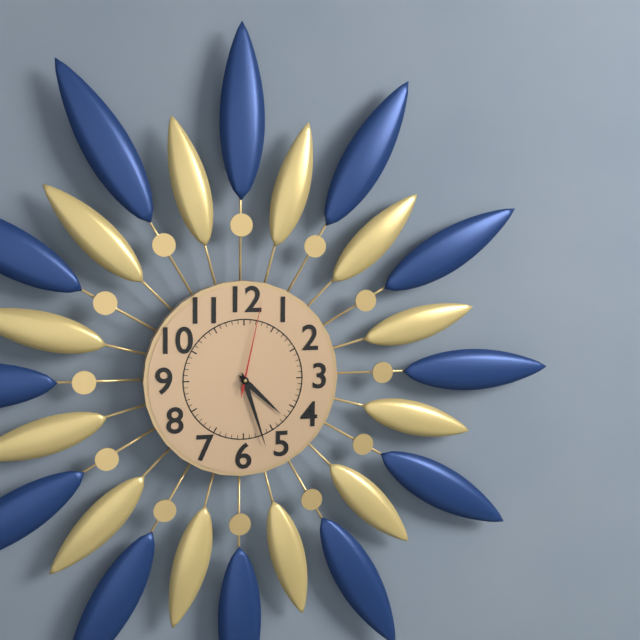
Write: 4:27:02
